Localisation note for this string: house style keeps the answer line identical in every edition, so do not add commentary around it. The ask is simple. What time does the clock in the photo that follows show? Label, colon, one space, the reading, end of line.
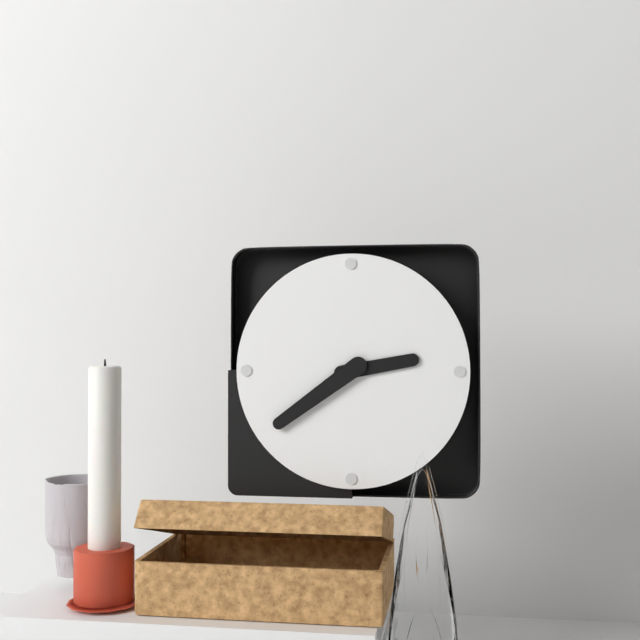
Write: 2:39
